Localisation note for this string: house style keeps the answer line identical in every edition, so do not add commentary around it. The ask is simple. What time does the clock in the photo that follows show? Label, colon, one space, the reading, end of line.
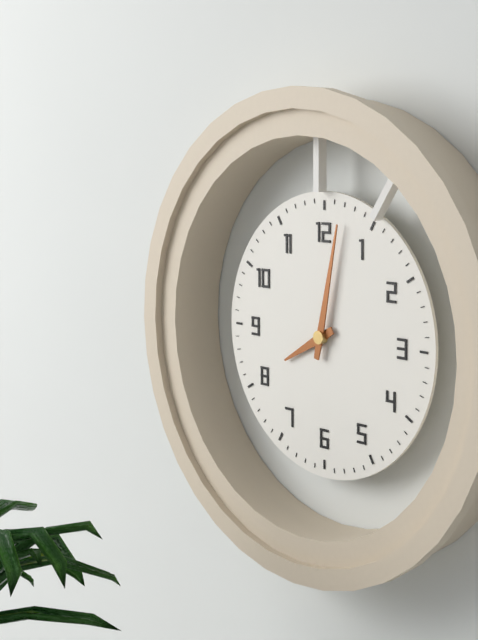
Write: 8:02
